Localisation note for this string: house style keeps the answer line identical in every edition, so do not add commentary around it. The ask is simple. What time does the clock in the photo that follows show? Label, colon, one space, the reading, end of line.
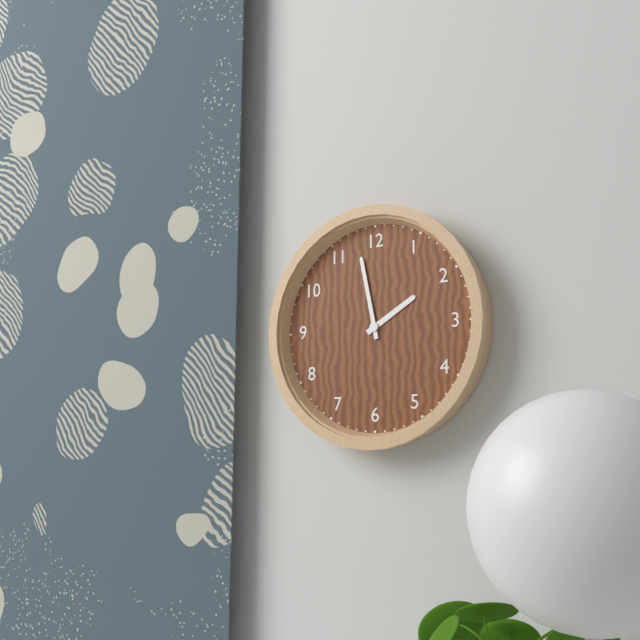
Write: 1:58
